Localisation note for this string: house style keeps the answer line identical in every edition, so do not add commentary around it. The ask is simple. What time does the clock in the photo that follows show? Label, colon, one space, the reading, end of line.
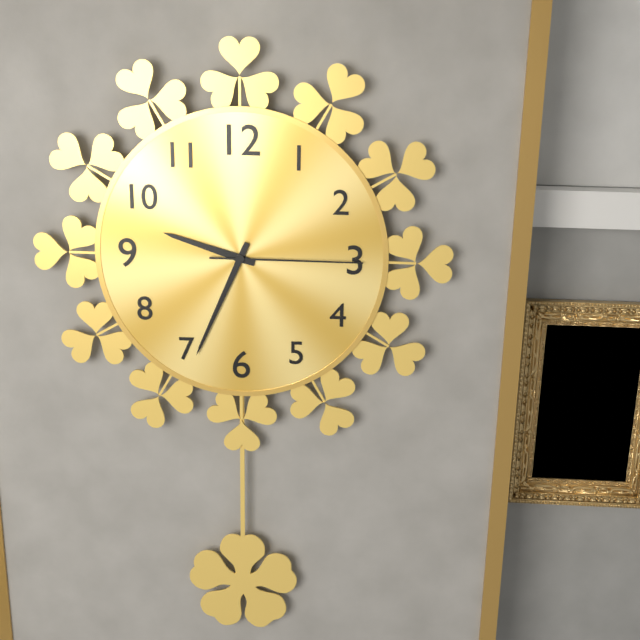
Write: 9:34:15
